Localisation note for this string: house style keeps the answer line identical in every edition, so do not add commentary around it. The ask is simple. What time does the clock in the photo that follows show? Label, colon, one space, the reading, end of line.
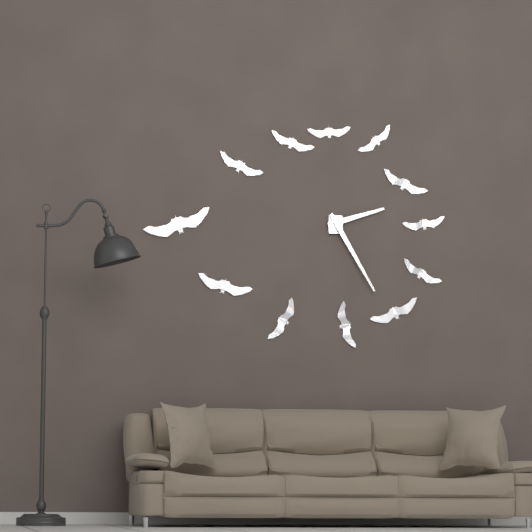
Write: 2:25
